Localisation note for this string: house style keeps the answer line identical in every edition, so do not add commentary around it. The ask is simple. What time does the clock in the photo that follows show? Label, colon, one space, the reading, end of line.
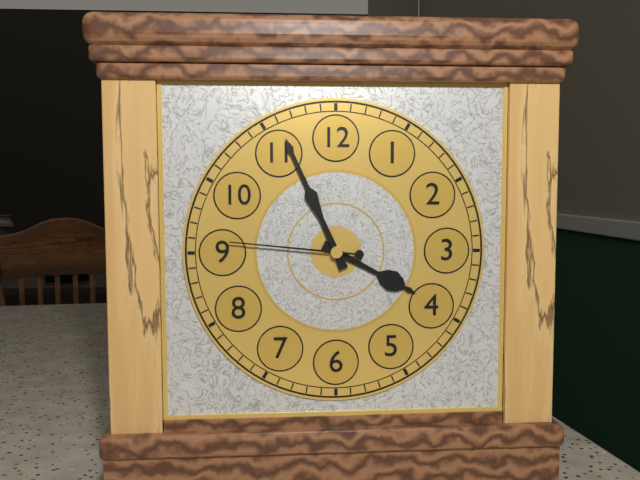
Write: 3:56:46
